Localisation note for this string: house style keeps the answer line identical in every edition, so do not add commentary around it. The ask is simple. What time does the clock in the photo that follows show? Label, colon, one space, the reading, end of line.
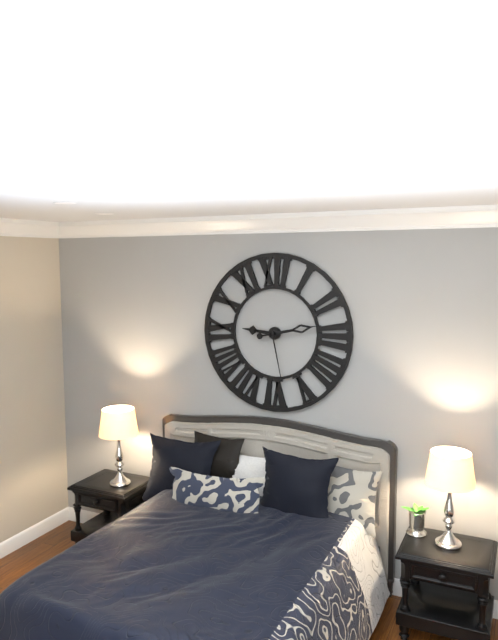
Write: 9:13:28
